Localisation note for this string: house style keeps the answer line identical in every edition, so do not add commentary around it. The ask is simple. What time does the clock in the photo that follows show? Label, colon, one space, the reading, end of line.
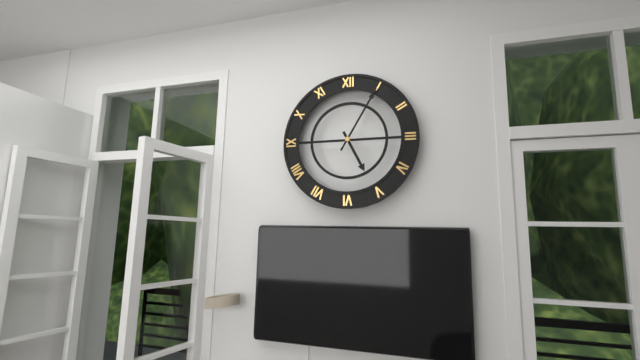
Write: 5:05
